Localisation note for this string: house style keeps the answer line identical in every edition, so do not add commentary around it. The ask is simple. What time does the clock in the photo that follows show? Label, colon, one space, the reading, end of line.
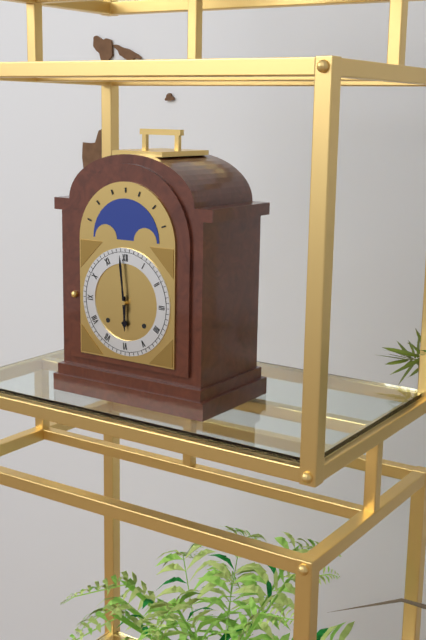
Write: 5:59
